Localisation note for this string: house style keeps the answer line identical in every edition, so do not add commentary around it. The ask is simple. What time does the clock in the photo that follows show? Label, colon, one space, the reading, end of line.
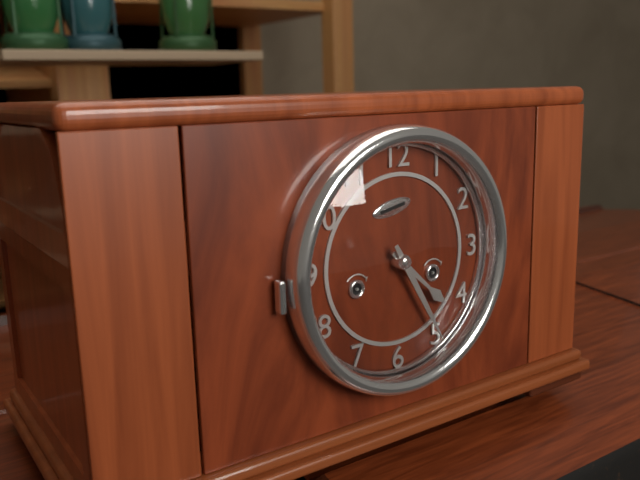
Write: 4:25
